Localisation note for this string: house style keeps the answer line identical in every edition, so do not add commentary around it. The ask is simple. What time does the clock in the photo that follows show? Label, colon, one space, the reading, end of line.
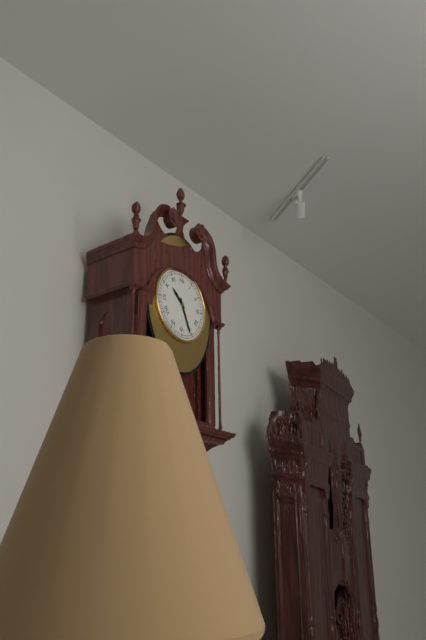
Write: 10:26
